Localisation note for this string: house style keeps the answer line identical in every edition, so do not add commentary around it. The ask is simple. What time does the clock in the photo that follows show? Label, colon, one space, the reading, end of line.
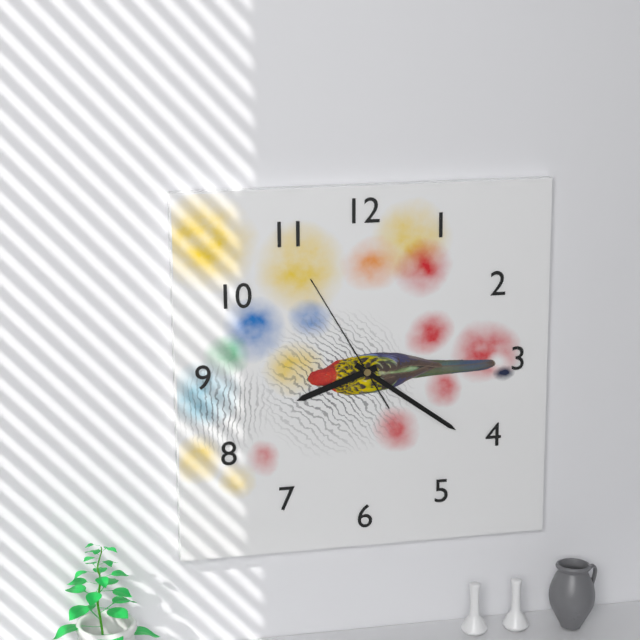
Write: 8:21:55
